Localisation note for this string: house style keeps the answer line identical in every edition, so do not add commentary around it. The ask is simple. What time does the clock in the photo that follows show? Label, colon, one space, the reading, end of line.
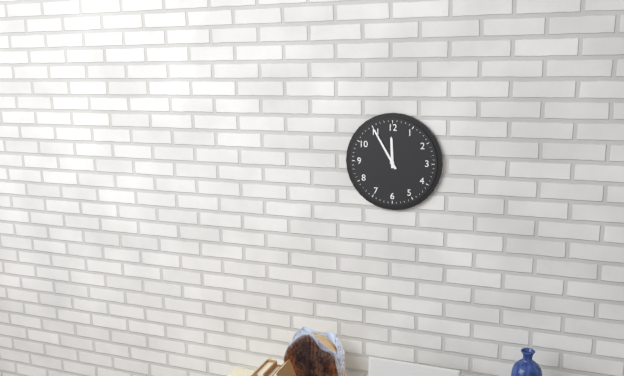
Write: 11:55
